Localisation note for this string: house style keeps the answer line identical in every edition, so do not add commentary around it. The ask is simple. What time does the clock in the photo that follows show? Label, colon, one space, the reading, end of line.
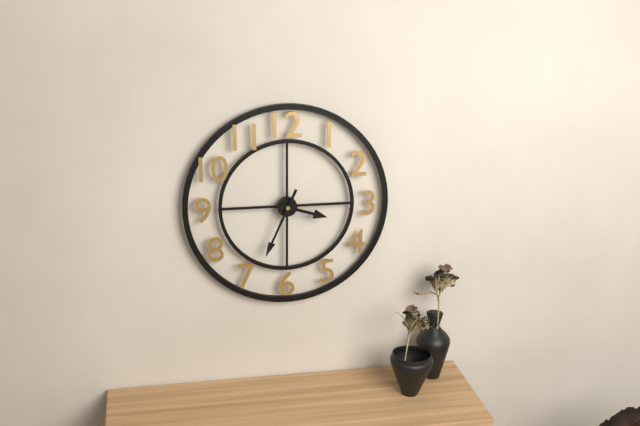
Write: 3:34
